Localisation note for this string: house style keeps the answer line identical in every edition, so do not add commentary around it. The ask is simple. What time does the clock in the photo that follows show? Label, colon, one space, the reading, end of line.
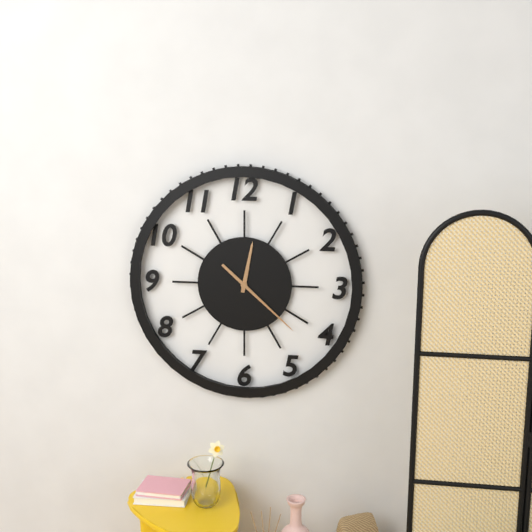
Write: 12:22
